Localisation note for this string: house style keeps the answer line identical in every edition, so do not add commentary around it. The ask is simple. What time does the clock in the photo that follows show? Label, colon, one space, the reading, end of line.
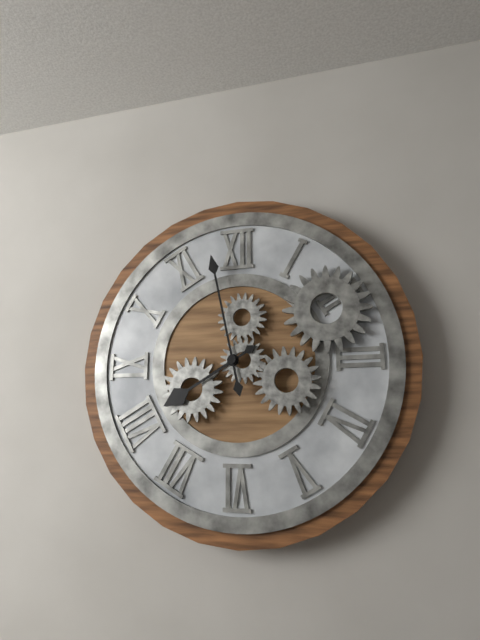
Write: 7:58
